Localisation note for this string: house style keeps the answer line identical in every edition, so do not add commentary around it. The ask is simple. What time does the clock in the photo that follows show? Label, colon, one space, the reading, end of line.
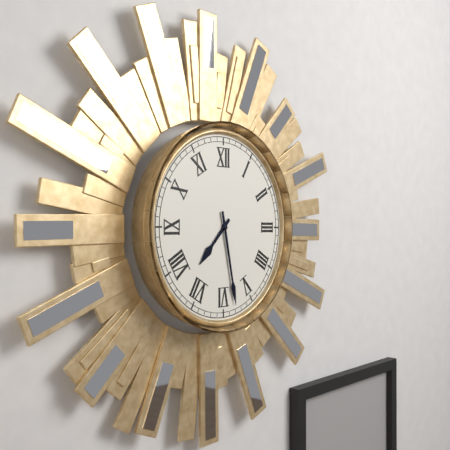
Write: 7:28
